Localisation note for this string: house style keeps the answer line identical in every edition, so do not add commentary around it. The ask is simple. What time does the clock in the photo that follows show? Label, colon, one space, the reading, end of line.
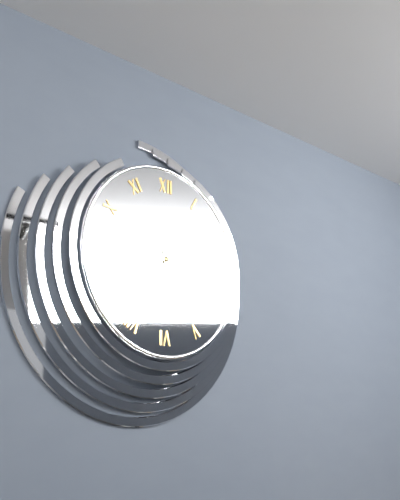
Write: 11:44
